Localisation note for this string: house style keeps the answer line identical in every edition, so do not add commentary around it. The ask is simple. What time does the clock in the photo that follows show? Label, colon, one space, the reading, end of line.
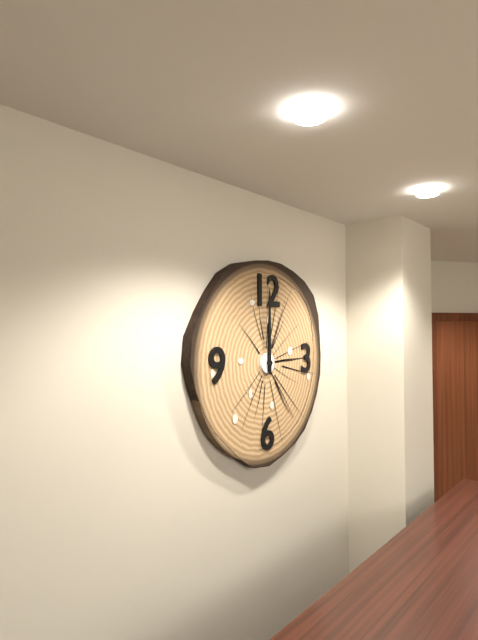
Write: 12:00
